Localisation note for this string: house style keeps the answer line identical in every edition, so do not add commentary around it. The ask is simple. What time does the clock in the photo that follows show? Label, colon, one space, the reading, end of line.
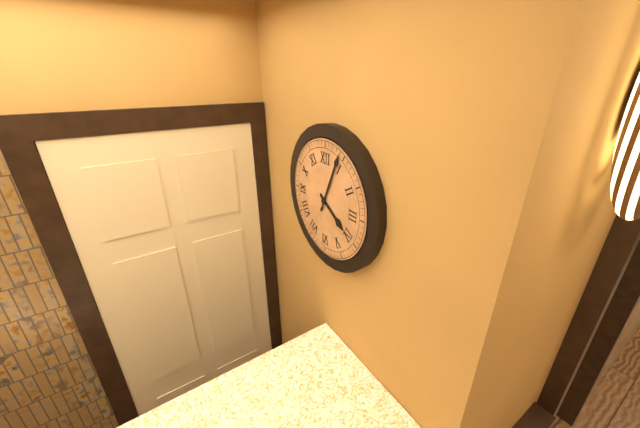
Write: 4:04
